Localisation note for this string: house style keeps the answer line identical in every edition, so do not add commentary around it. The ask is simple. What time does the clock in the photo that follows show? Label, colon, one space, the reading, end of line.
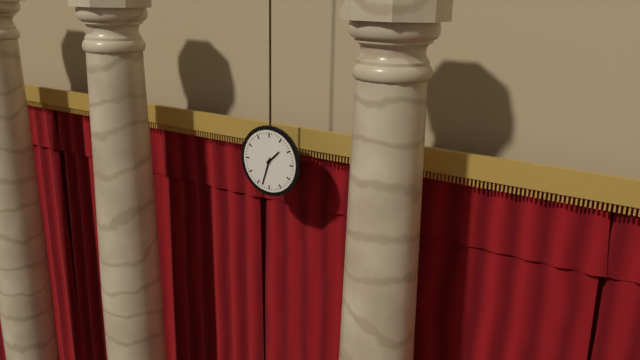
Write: 1:33
